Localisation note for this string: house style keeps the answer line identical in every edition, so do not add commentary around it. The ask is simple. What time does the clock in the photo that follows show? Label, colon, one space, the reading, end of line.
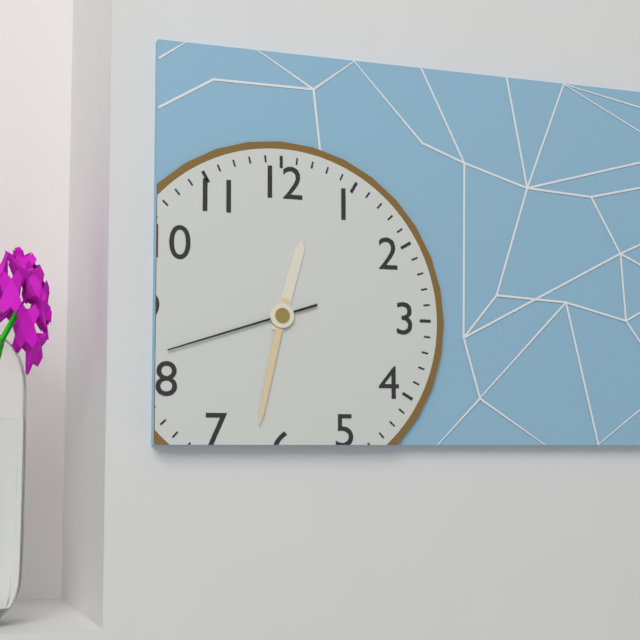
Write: 12:32:42
